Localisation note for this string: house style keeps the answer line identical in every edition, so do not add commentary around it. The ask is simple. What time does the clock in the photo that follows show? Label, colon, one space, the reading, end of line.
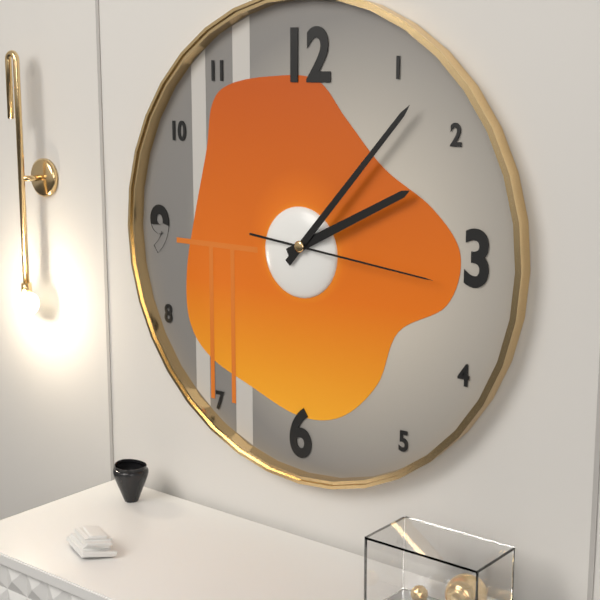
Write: 2:07:16
